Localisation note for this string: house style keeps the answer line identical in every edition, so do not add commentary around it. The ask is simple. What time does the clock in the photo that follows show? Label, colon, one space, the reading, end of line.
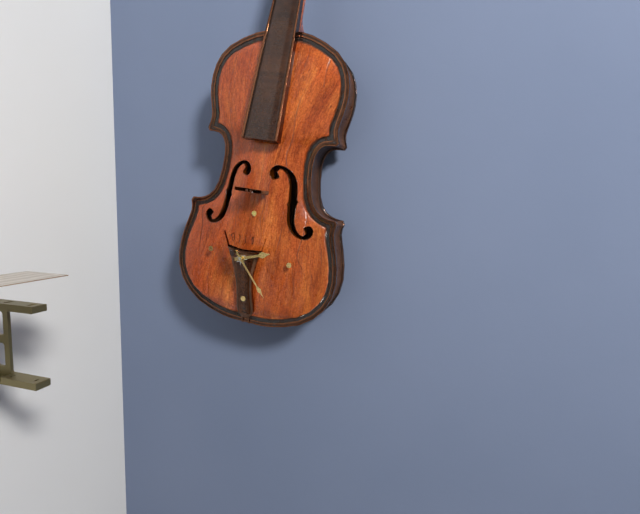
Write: 2:23
